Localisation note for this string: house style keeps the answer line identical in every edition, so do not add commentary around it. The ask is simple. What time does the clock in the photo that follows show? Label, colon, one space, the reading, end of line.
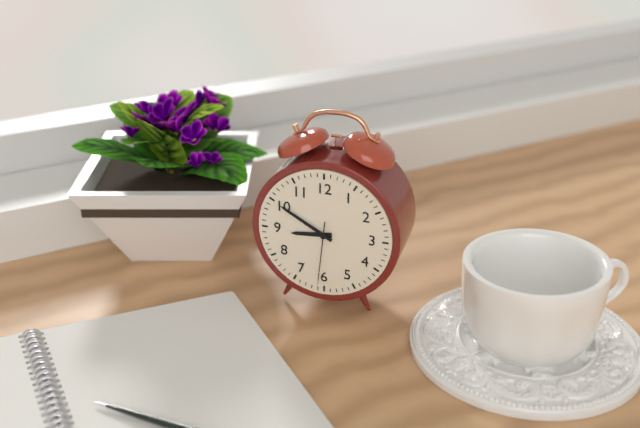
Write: 8:50:31
